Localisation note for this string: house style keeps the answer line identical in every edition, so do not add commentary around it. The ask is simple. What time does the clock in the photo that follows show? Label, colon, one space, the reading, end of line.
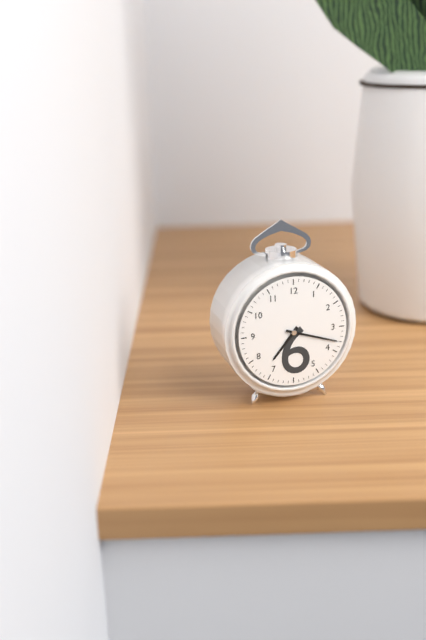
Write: 7:18
